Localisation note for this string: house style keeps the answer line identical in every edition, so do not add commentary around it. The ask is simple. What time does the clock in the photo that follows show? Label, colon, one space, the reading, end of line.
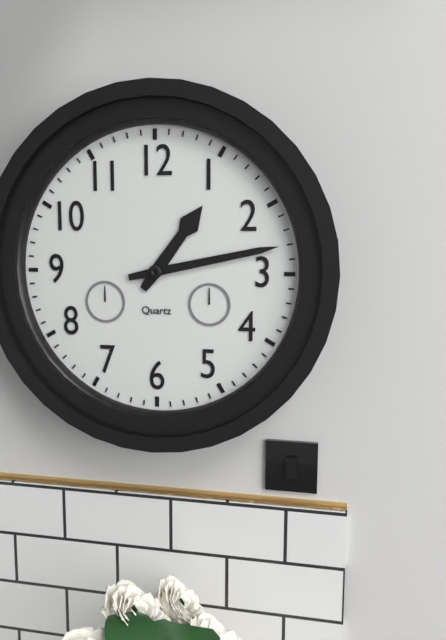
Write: 1:13
